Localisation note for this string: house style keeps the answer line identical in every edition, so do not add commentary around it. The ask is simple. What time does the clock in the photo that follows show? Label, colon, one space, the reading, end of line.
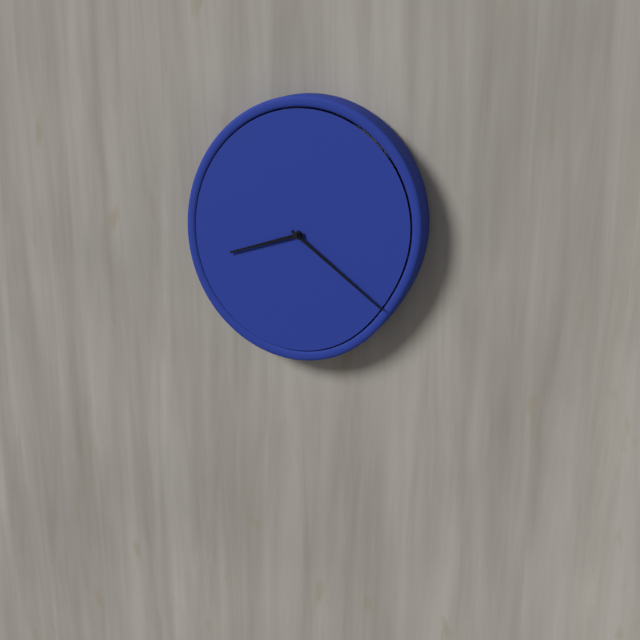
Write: 8:21
